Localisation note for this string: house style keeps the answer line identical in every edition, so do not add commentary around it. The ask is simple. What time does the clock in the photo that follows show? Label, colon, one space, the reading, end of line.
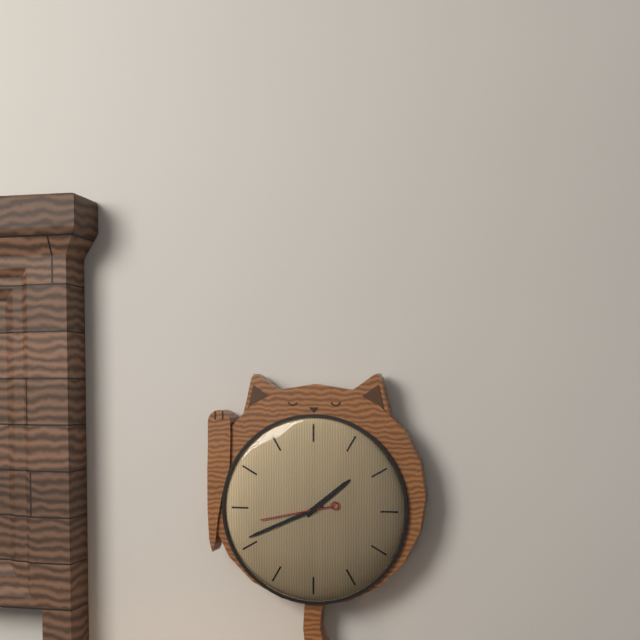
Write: 1:41:43
